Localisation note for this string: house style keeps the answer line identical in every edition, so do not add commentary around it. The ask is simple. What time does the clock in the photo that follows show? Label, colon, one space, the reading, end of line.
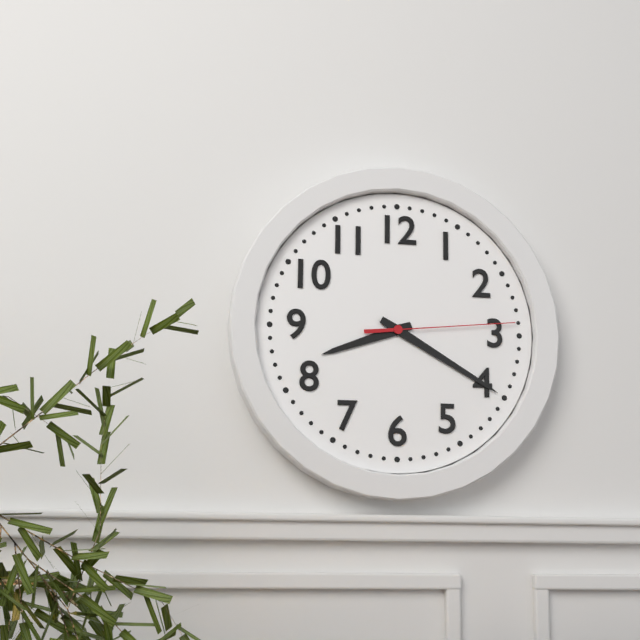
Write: 8:20:14
